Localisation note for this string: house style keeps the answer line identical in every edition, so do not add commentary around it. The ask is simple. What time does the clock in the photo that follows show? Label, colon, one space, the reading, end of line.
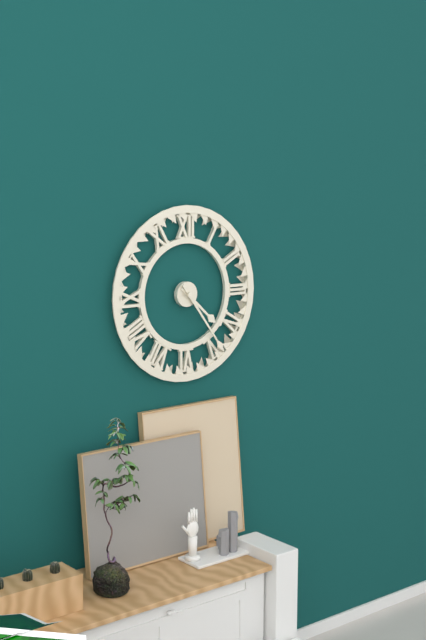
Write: 4:24
